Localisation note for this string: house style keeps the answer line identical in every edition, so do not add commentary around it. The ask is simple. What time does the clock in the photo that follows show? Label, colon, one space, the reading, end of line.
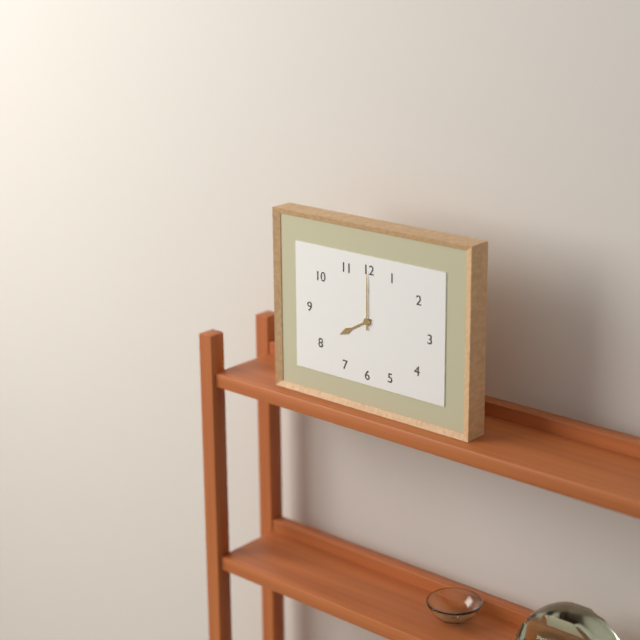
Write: 8:00
